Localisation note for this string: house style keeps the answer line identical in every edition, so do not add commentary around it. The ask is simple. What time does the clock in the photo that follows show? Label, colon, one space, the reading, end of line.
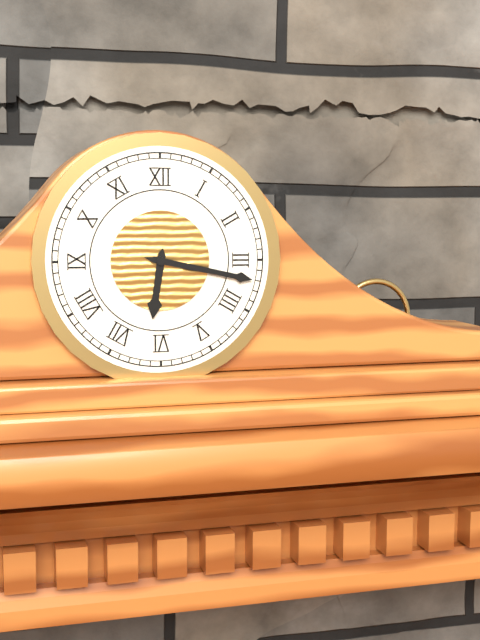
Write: 6:17
